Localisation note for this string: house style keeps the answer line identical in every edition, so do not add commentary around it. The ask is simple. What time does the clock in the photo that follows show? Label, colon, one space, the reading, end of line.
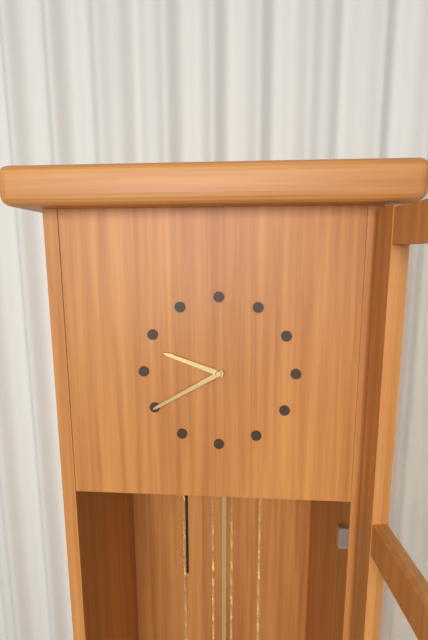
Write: 9:40
